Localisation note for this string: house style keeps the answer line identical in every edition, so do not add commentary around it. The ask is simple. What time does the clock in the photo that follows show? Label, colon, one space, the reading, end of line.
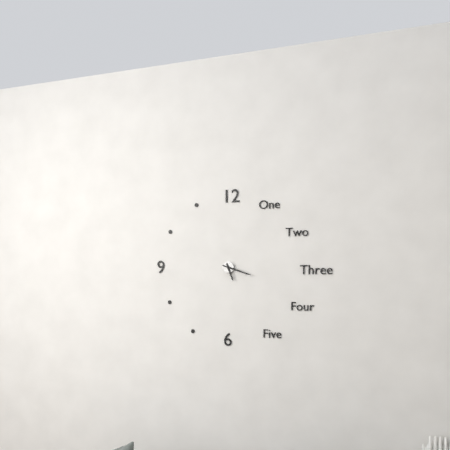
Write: 5:18
